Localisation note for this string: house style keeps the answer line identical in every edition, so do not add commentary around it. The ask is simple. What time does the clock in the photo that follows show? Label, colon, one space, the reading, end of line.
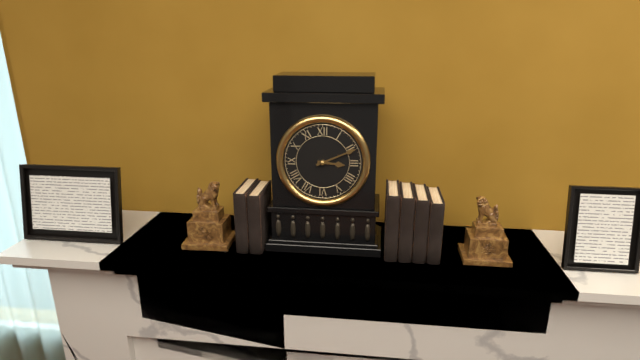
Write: 3:11
